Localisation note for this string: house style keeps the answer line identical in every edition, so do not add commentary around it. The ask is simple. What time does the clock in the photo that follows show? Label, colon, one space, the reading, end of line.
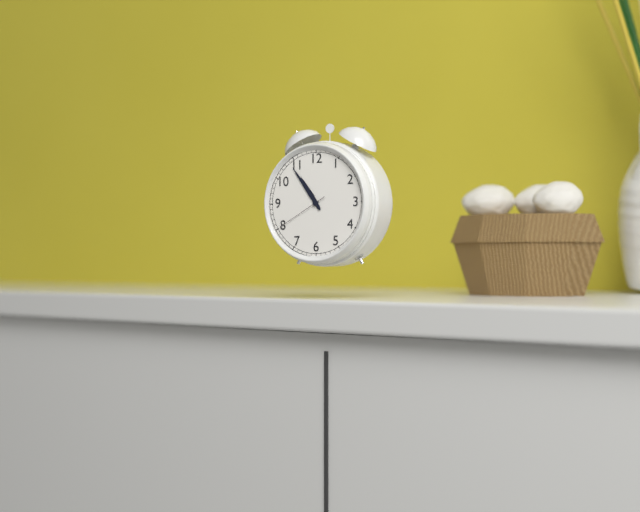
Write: 10:54:40
